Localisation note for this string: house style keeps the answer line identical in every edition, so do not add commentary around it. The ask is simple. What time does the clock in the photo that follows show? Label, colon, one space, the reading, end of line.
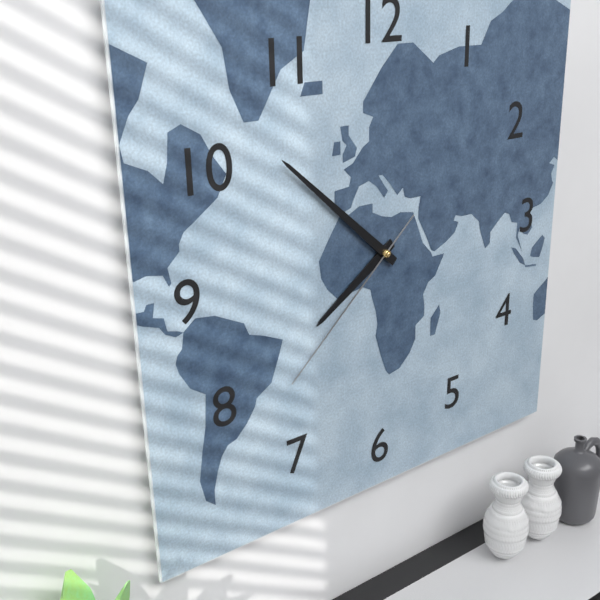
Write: 7:52:38
